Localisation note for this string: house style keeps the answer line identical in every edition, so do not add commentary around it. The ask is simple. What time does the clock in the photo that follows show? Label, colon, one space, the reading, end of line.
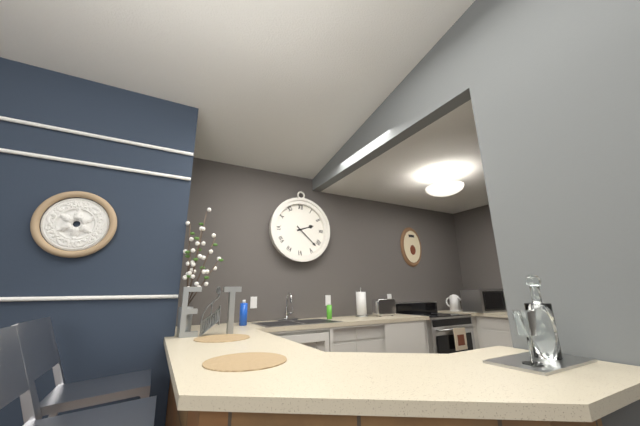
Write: 2:22
